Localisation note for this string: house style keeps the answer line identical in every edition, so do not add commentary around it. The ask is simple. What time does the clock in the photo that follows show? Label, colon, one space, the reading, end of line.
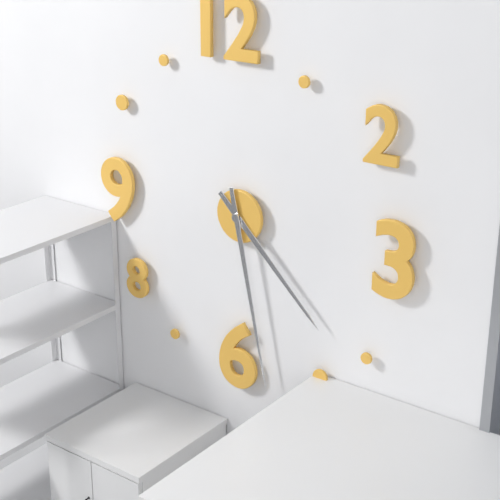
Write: 4:28
